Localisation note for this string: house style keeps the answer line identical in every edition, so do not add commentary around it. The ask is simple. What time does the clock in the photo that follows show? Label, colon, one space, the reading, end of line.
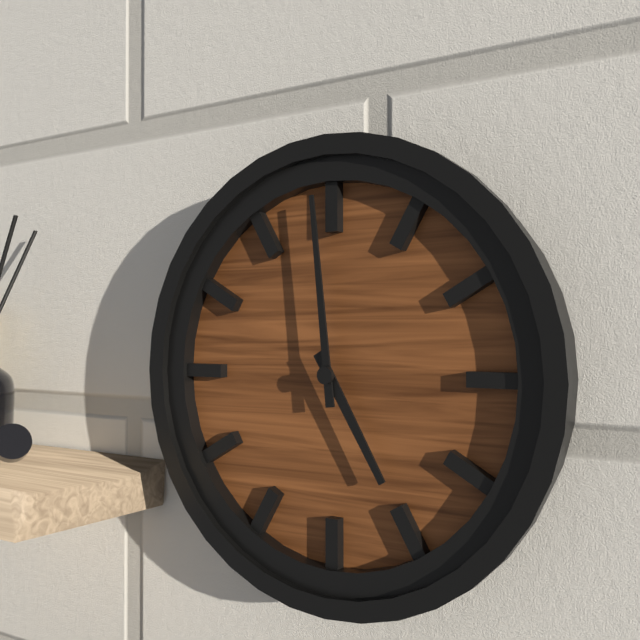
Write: 4:59
